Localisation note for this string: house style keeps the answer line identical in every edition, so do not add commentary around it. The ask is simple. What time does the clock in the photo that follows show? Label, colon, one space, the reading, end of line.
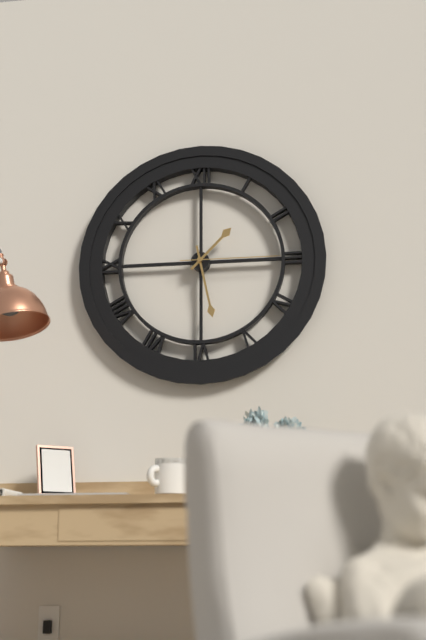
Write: 1:28:15
